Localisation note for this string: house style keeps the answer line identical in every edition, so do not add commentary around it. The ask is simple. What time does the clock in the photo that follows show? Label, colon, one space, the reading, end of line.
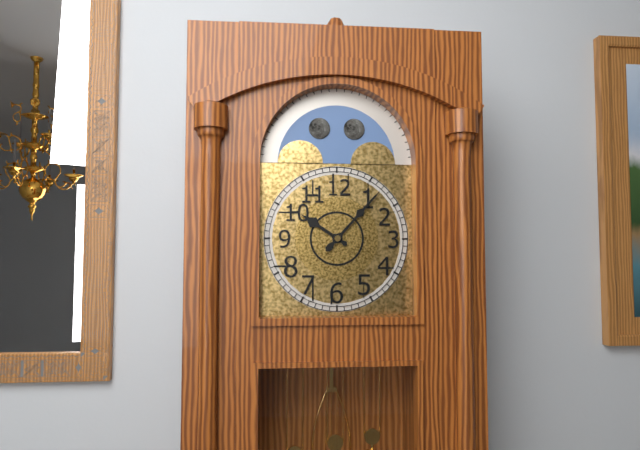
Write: 10:07
